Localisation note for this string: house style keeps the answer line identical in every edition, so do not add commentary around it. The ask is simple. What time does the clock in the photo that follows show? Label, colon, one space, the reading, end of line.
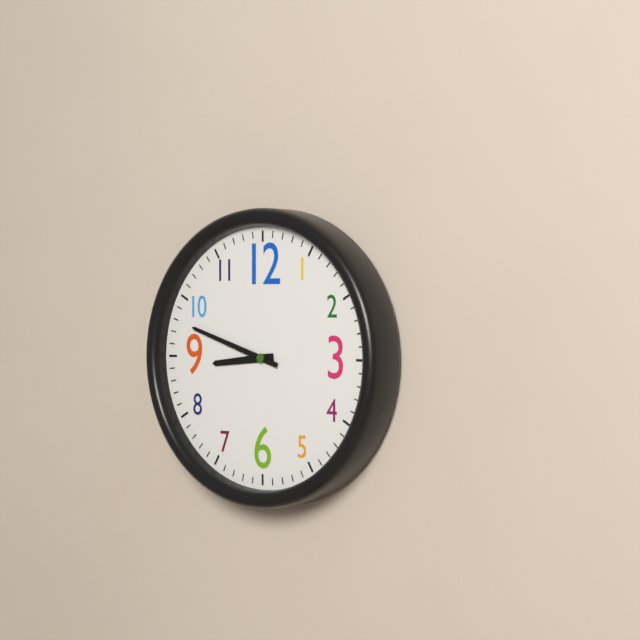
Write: 8:48
